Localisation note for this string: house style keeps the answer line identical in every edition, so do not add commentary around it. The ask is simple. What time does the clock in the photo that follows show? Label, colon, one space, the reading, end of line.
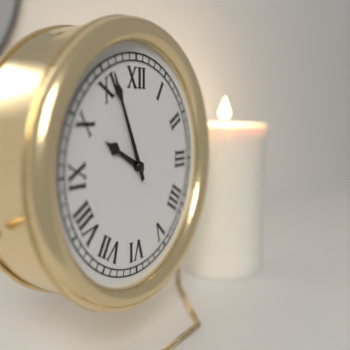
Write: 9:56
